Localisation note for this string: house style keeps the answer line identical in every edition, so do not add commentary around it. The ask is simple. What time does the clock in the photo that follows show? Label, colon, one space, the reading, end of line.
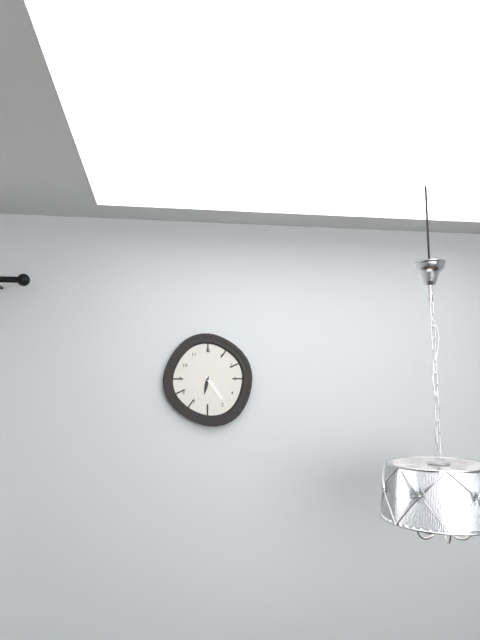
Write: 6:24
